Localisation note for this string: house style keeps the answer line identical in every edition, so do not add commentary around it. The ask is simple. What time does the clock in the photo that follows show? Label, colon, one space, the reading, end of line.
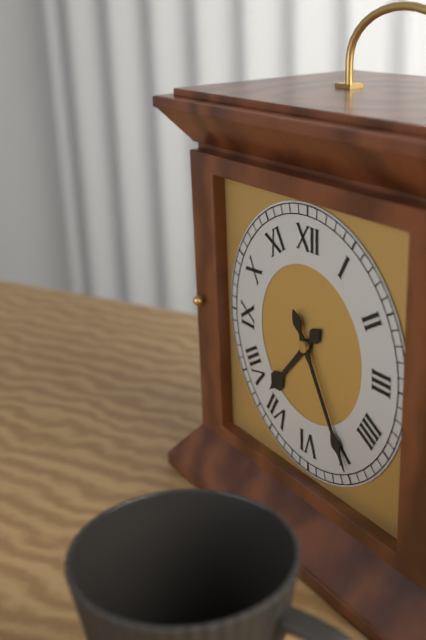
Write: 7:25
